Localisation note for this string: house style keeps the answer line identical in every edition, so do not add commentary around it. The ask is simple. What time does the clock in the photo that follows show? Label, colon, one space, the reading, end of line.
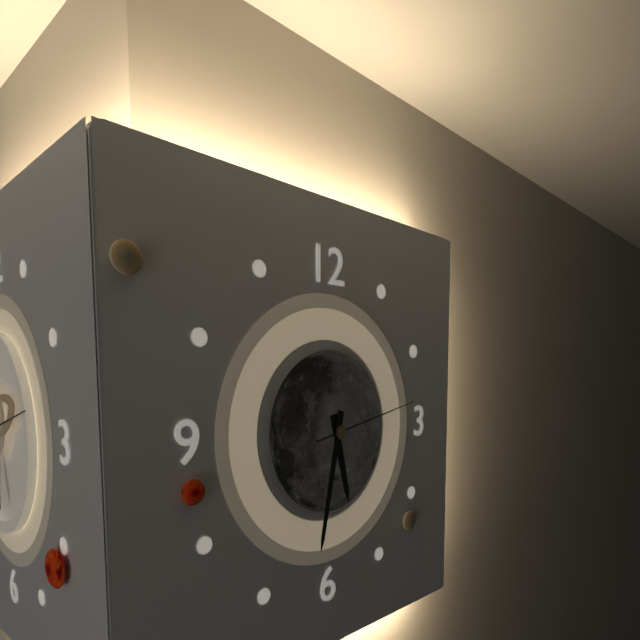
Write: 5:32:13
